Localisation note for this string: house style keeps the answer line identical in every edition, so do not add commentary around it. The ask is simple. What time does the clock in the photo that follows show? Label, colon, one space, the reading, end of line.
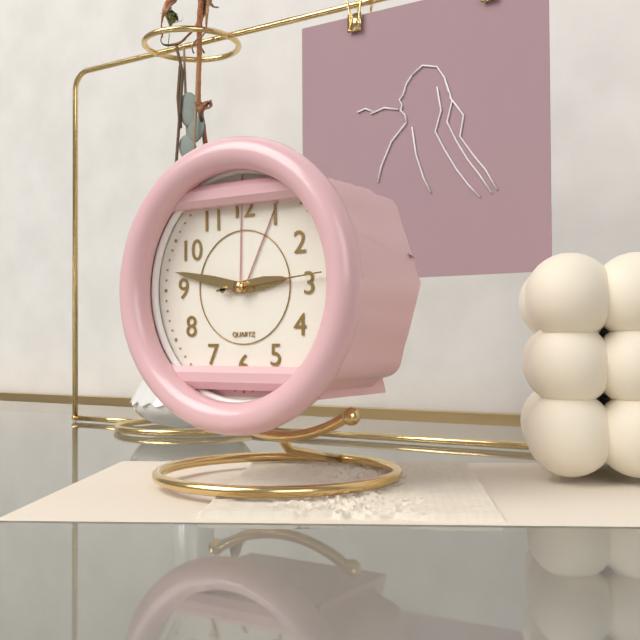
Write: 2:47:14
